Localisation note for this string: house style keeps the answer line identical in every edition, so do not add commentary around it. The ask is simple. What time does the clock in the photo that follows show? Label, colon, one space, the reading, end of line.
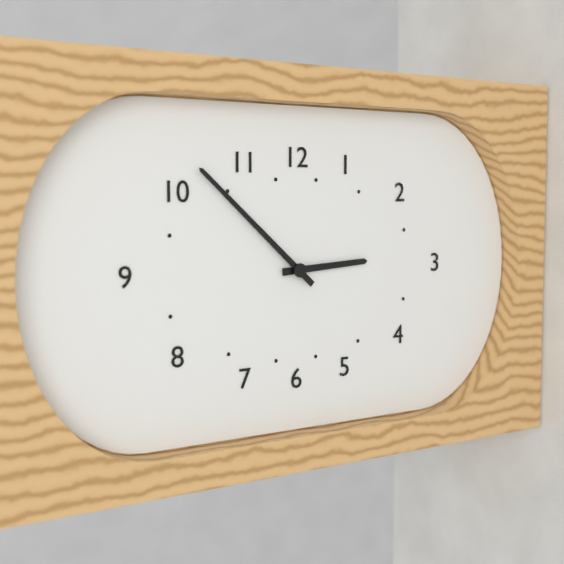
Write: 2:52
